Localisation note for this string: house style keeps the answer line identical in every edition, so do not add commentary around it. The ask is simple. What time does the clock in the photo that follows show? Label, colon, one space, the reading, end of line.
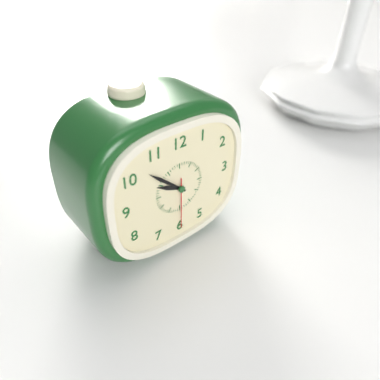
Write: 9:52
